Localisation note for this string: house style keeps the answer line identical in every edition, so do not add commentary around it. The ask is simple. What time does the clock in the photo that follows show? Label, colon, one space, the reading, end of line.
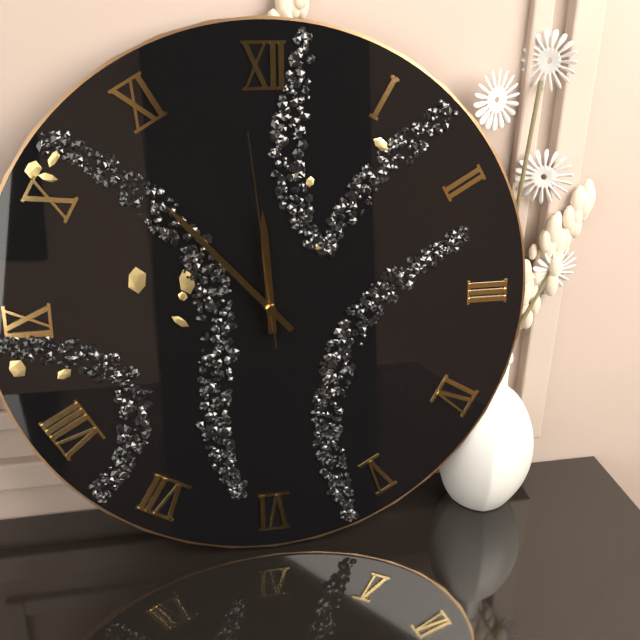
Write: 11:53:59
